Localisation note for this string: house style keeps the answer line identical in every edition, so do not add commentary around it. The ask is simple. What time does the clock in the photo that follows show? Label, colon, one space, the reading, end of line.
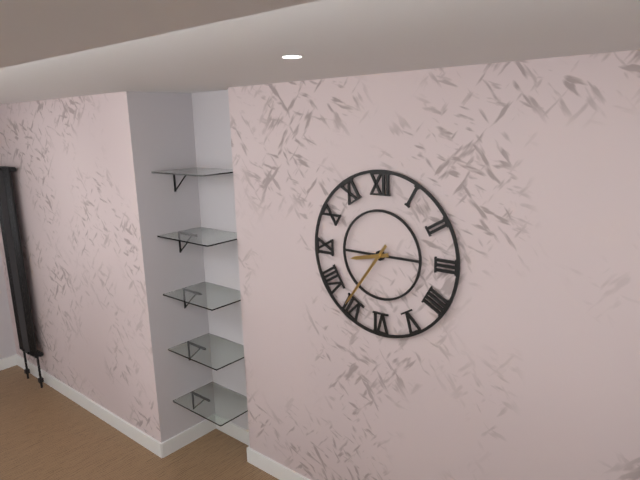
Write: 8:36
